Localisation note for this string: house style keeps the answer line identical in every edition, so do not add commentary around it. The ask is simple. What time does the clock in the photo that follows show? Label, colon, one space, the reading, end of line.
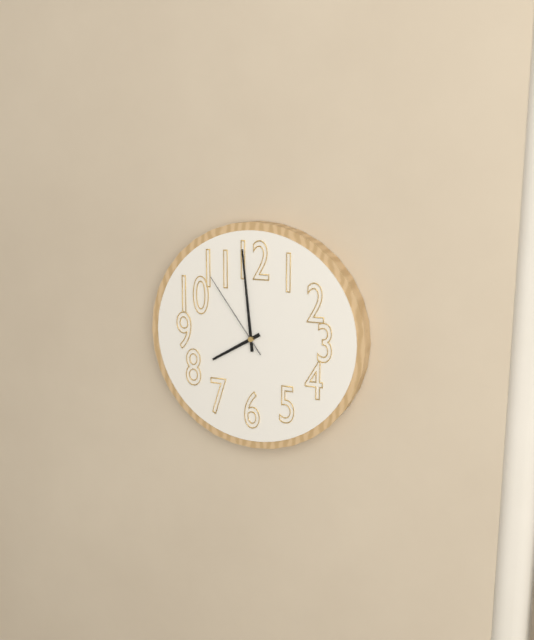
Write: 7:59:54
